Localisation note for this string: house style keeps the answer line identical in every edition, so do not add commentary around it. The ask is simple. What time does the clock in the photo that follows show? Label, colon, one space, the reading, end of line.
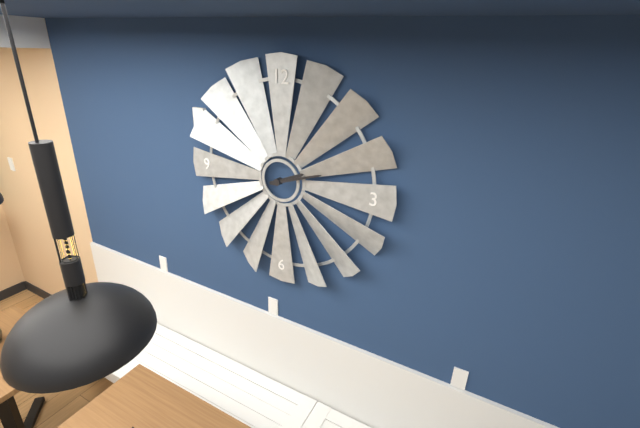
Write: 2:12
